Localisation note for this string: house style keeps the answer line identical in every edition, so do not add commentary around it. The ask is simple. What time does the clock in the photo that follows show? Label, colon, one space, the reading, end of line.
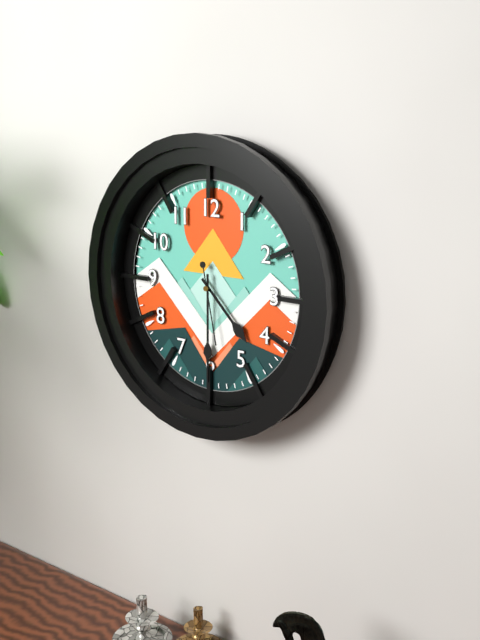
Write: 4:30:28
